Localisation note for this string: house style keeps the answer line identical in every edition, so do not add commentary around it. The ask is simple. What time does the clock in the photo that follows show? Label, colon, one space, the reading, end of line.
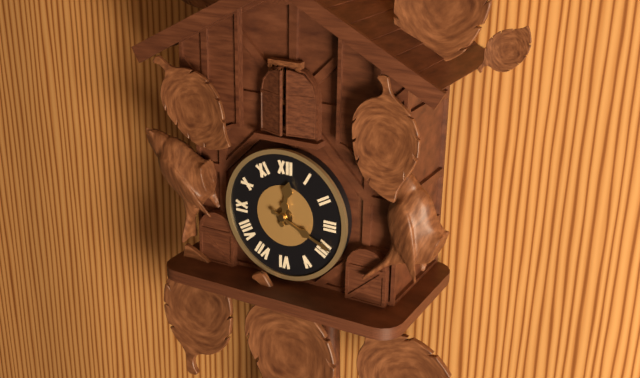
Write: 12:19
